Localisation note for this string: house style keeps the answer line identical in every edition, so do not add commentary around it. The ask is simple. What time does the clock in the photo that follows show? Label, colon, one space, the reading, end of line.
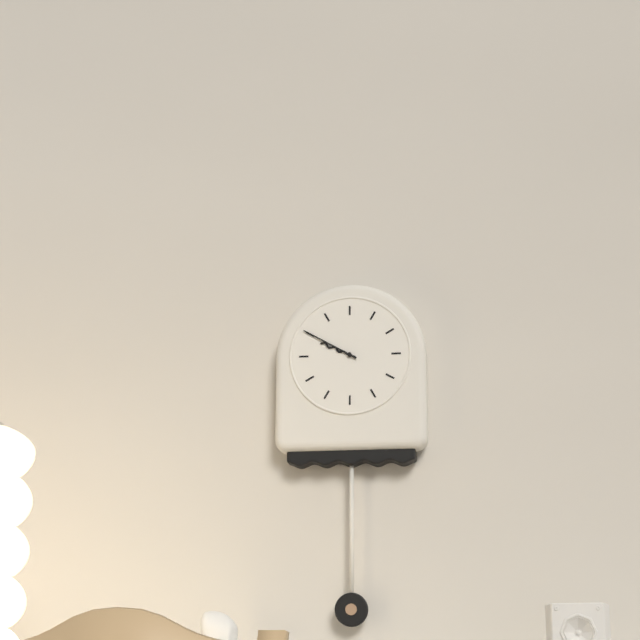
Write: 9:50
